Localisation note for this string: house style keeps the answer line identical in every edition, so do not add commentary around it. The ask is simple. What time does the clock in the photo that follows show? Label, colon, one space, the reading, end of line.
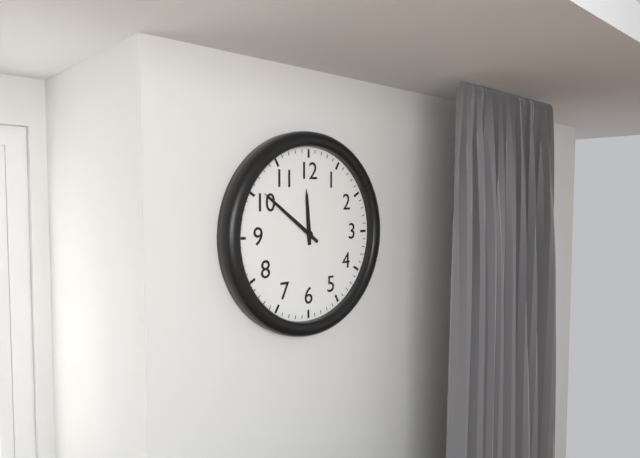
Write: 11:51
